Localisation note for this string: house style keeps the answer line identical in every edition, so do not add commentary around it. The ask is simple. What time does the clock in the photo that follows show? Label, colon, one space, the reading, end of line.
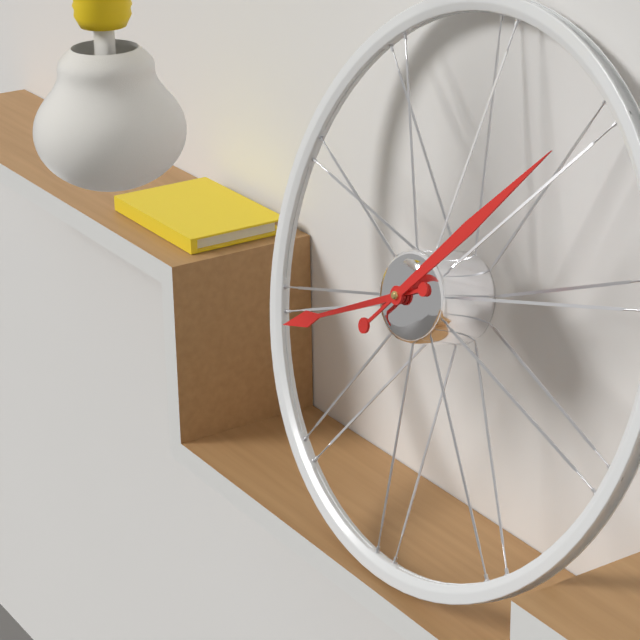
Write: 8:07
